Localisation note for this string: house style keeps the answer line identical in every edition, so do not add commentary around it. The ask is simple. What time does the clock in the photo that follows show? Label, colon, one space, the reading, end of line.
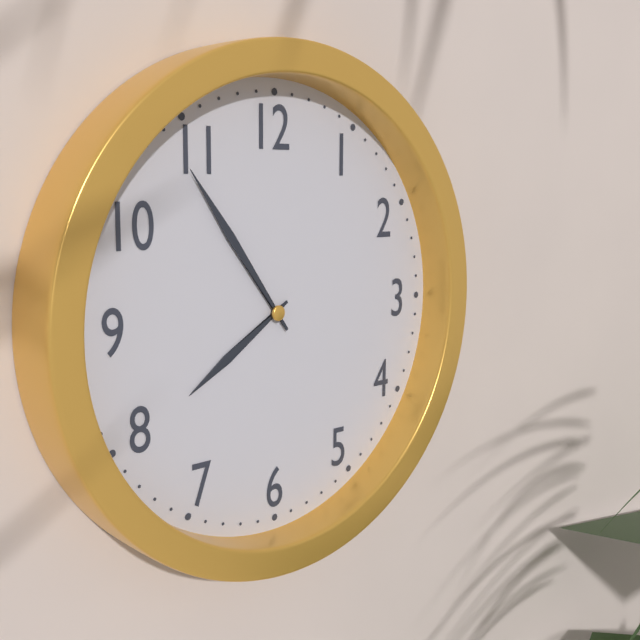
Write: 7:54
